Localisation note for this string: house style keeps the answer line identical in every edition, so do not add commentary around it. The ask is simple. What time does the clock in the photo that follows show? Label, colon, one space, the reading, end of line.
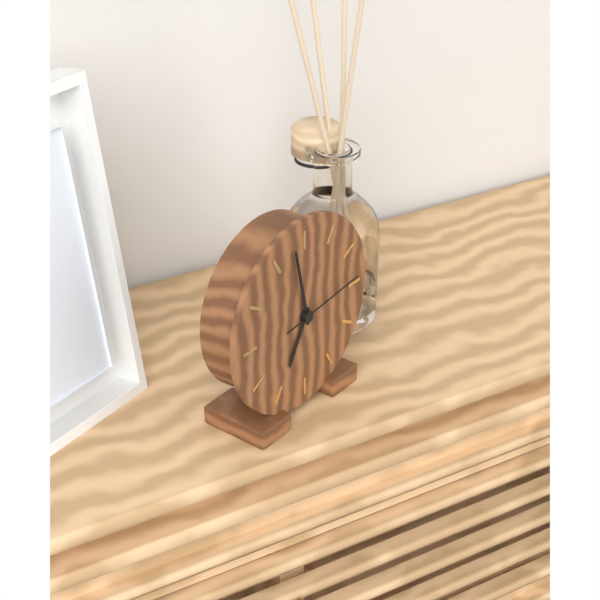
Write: 6:58:14
